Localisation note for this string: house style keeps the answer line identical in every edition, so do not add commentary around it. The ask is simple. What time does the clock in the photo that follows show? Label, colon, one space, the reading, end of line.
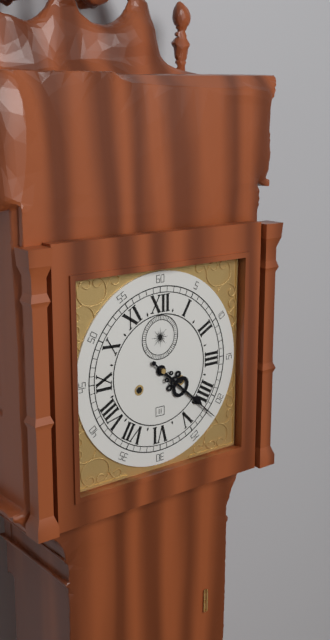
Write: 4:22
